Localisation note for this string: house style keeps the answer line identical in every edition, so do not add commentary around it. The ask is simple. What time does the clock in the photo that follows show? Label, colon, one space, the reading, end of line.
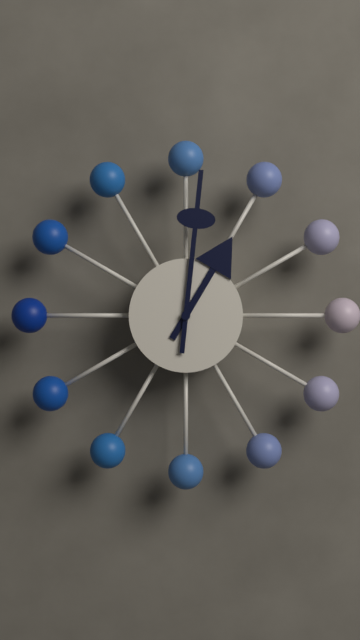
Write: 1:01
